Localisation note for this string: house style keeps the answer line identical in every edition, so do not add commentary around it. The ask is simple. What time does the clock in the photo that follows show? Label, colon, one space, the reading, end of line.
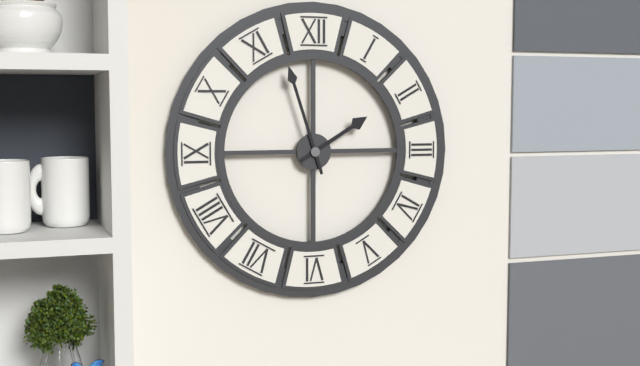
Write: 1:57
